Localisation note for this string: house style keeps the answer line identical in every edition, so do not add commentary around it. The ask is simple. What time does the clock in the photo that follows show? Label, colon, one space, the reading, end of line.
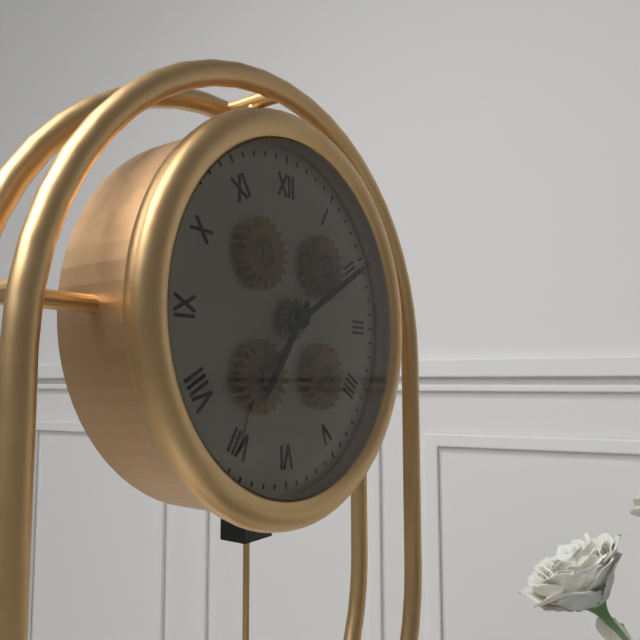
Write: 7:10
